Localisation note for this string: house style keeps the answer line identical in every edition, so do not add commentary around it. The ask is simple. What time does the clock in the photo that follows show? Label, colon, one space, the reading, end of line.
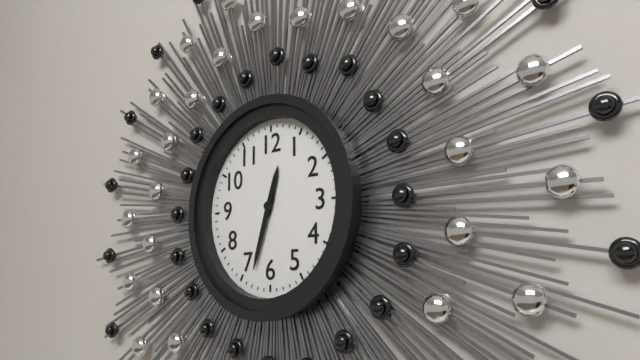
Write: 12:33
